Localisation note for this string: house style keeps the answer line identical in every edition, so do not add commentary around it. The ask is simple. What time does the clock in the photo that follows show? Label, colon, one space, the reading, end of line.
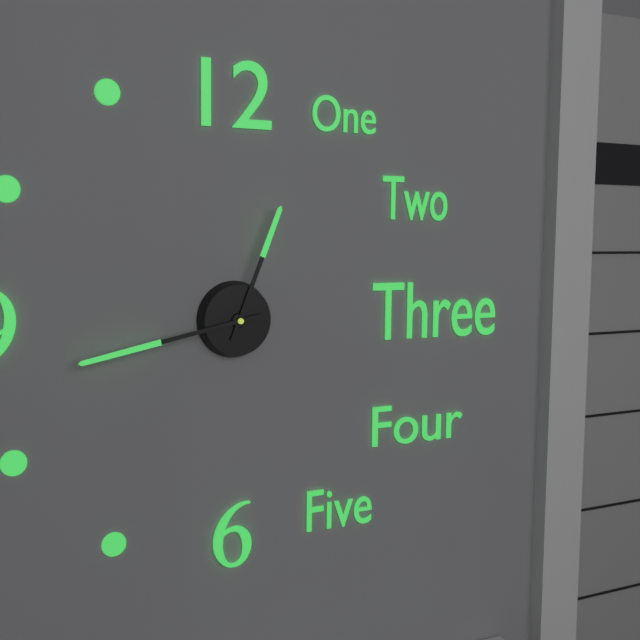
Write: 12:43
